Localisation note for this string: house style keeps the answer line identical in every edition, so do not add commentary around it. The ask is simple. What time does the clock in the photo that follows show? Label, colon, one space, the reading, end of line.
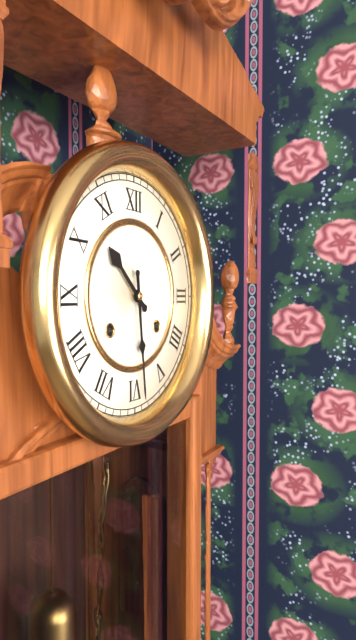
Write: 10:29
